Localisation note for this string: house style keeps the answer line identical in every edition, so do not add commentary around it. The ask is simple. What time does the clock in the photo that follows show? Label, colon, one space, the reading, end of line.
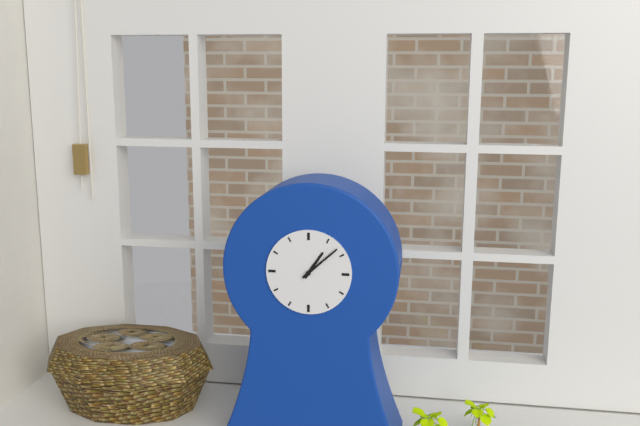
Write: 1:08
